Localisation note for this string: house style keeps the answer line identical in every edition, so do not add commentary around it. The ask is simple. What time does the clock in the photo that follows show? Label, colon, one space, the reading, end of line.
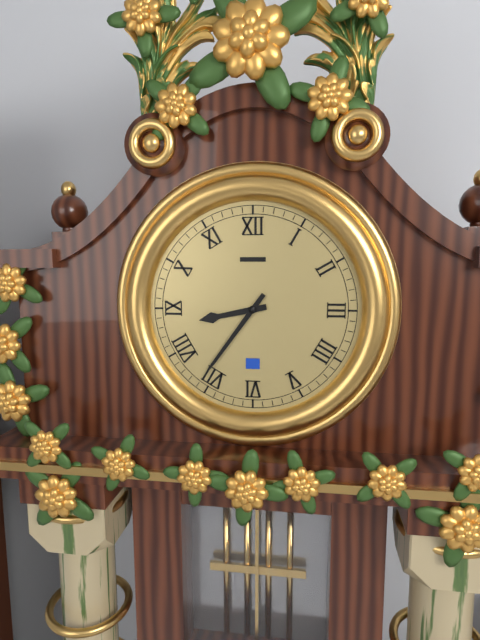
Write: 8:36
